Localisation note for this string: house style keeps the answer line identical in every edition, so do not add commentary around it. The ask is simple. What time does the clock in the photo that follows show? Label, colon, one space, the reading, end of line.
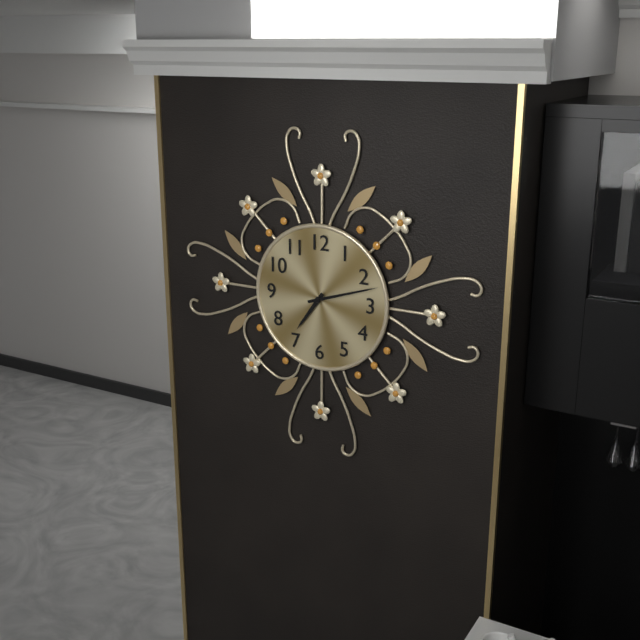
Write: 7:12
